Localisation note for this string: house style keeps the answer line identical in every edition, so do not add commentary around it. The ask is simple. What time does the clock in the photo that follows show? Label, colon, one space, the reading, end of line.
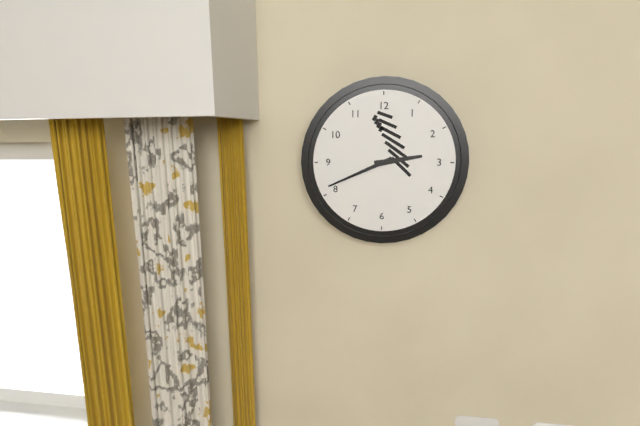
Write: 2:41
